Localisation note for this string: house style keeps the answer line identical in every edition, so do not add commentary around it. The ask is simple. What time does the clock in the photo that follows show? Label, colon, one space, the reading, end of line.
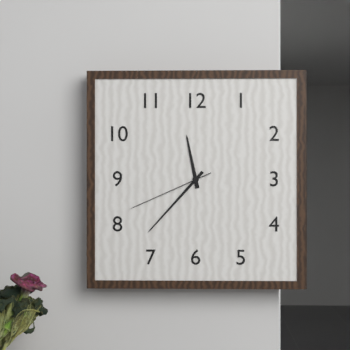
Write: 11:37:41
